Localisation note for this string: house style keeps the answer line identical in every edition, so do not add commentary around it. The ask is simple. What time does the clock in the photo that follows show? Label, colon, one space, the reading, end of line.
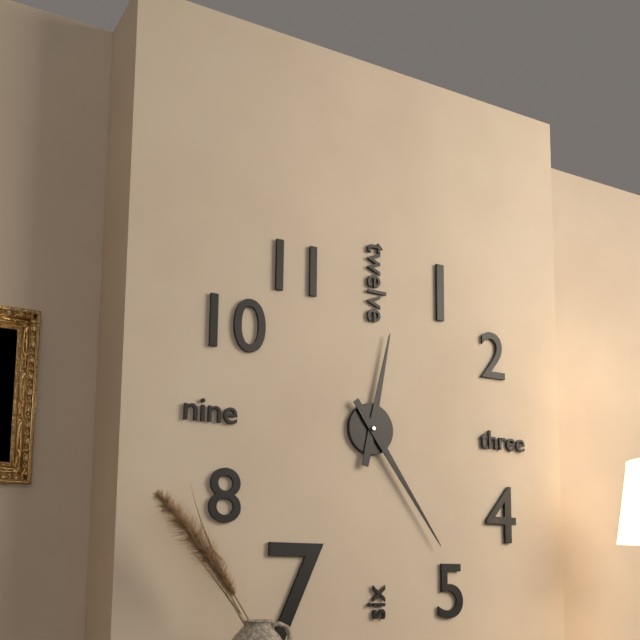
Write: 12:24
